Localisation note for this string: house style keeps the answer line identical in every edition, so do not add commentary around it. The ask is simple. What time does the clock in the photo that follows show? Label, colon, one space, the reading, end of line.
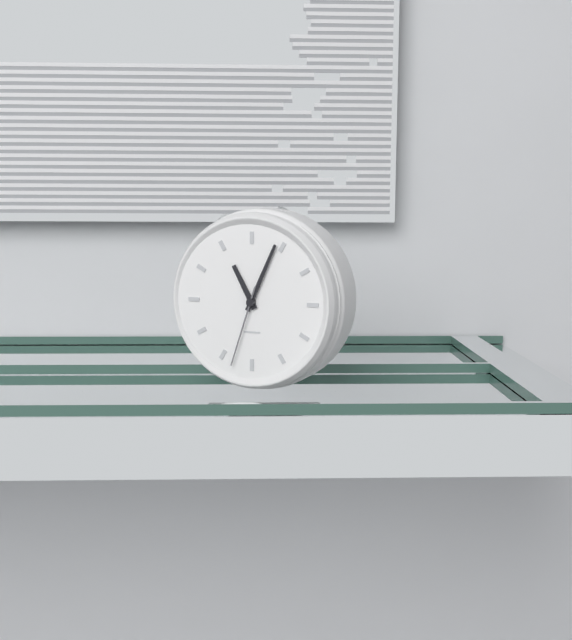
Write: 11:04:33
